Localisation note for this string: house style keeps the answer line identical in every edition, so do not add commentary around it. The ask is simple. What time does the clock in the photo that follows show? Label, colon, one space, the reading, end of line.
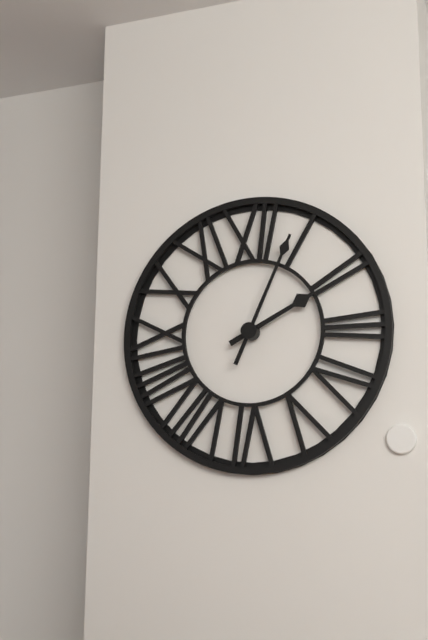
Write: 2:04
